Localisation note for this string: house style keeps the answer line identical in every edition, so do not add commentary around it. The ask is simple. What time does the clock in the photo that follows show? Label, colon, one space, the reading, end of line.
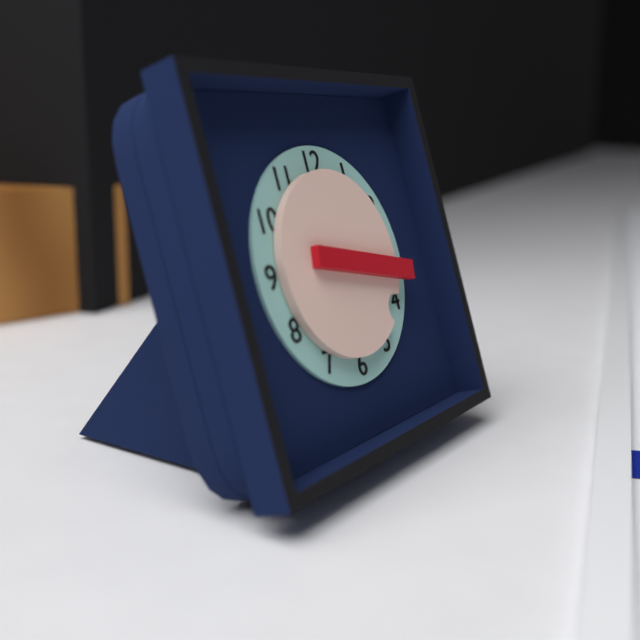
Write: 4:17
